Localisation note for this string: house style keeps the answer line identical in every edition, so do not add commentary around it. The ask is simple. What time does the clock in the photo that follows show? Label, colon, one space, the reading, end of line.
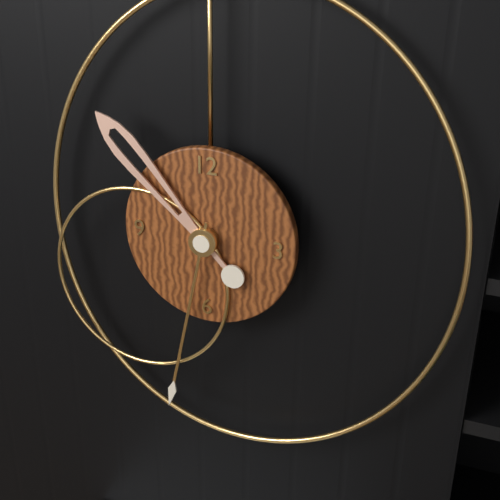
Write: 10:32
